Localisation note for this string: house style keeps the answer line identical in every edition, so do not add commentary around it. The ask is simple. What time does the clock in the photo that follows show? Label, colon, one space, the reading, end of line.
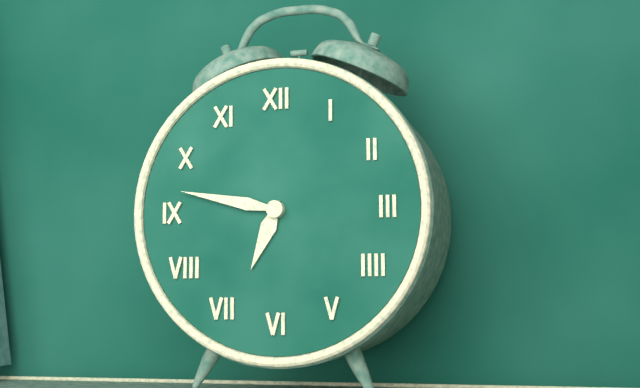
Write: 6:47
